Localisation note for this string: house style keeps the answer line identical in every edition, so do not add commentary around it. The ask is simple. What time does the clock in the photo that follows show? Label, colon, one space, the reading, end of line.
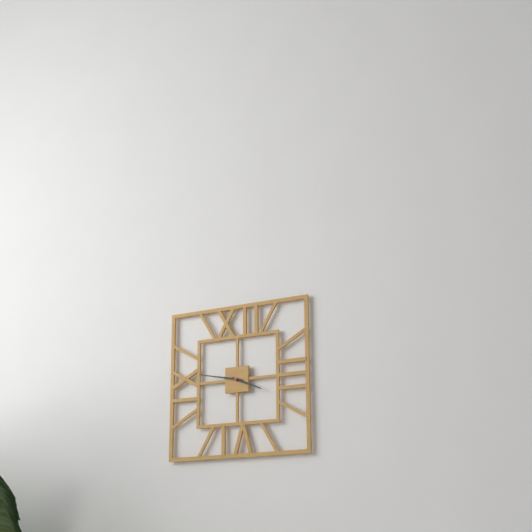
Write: 3:47
